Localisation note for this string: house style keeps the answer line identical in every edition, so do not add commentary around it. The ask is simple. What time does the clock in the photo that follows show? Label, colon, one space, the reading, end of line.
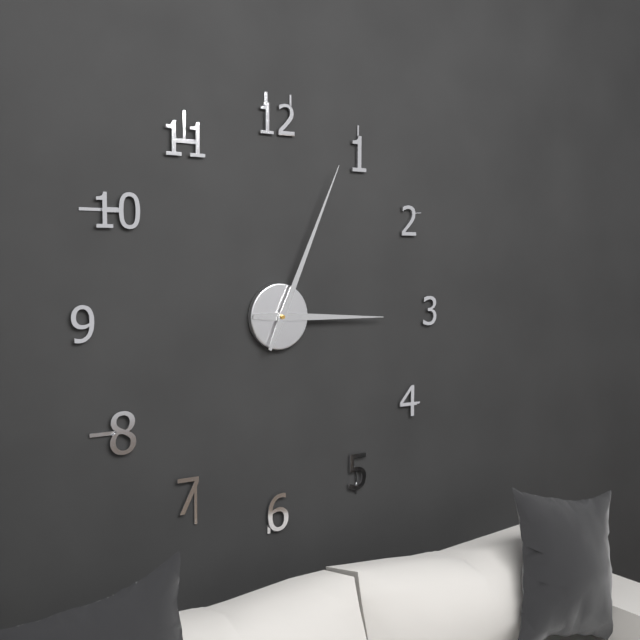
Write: 3:04
